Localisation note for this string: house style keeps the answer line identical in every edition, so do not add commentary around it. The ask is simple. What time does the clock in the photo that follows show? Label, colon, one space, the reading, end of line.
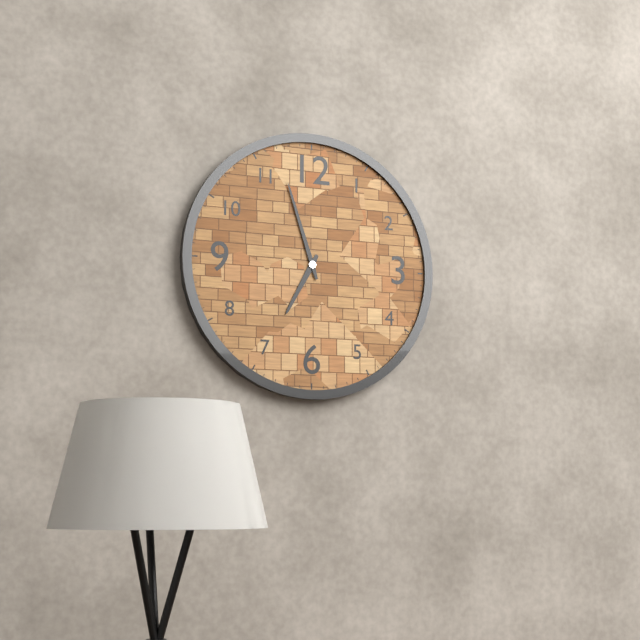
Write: 6:57
